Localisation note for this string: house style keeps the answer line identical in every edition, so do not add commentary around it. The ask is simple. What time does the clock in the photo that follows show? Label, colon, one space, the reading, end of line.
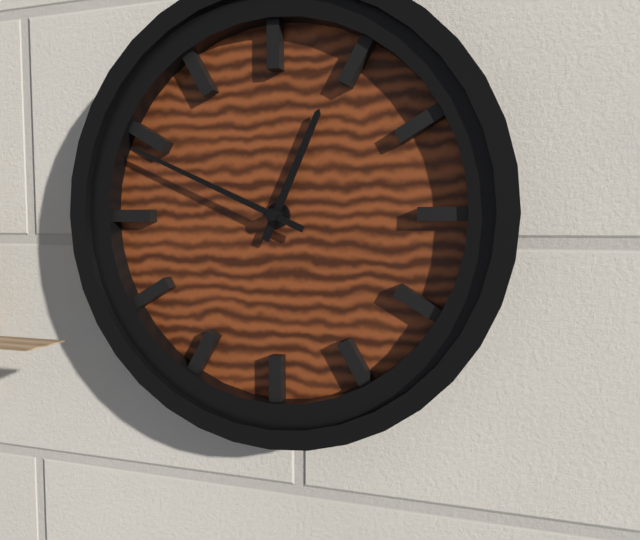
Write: 12:49
